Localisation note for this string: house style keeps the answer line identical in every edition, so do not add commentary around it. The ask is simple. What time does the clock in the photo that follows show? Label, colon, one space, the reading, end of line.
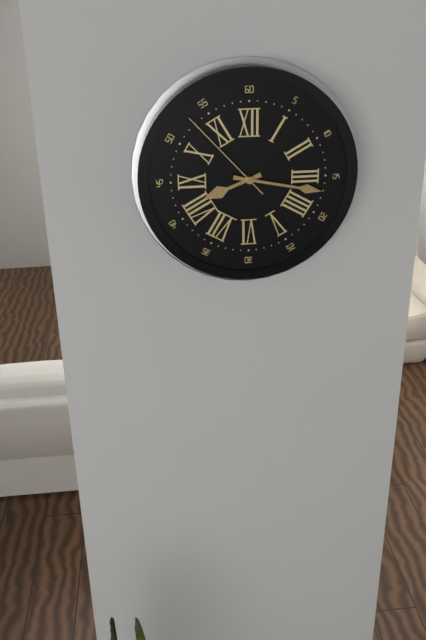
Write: 8:17:53
